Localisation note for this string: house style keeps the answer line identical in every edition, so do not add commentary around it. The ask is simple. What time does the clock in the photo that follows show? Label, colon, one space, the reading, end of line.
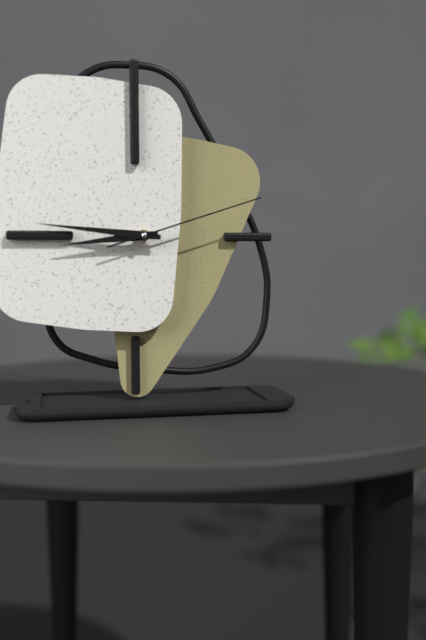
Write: 8:46:12
